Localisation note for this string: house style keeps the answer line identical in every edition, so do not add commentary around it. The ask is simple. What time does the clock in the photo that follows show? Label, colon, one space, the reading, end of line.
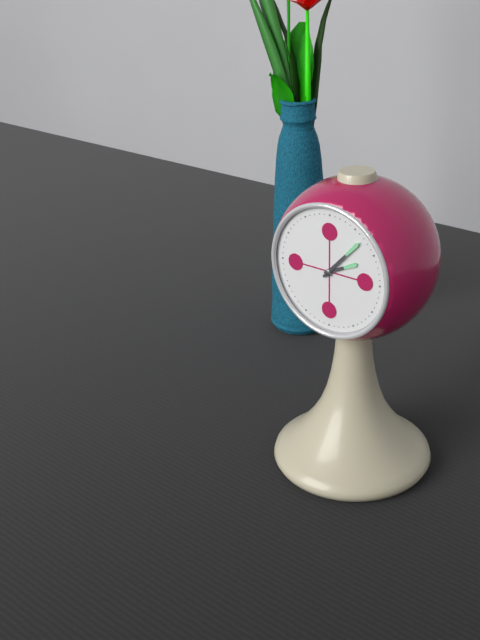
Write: 2:07
